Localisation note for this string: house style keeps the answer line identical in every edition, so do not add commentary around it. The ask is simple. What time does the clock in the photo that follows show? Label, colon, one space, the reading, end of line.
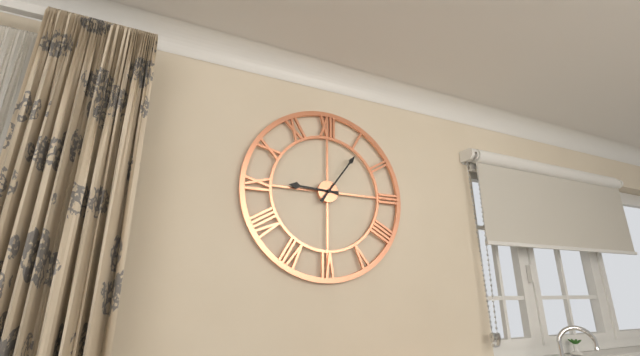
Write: 9:06
